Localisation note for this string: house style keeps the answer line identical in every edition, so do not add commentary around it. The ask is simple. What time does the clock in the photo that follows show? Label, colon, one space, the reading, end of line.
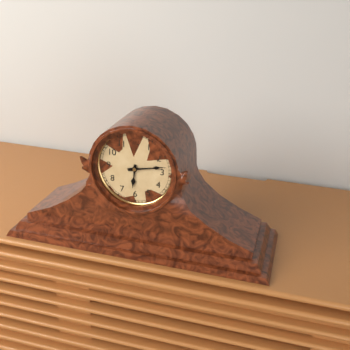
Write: 6:13
